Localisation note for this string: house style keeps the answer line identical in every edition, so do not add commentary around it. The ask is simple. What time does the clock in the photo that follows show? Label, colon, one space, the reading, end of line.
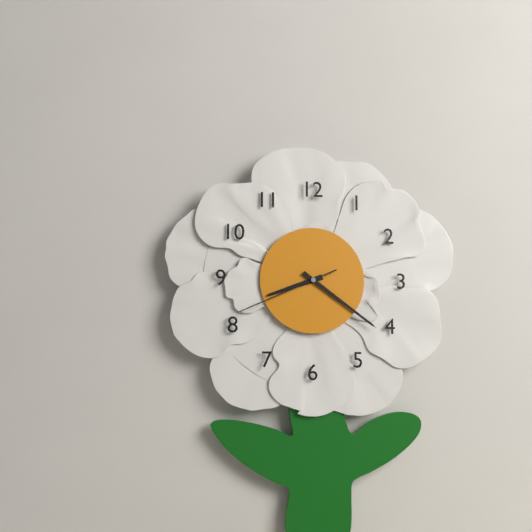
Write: 8:21:41
